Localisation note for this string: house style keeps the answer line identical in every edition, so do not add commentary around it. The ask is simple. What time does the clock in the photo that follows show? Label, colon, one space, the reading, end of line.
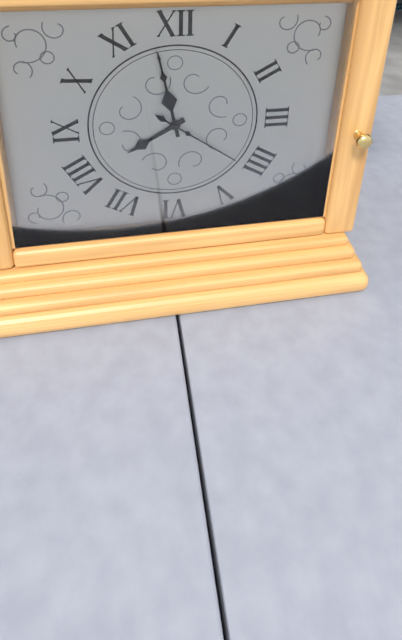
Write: 7:58:21
